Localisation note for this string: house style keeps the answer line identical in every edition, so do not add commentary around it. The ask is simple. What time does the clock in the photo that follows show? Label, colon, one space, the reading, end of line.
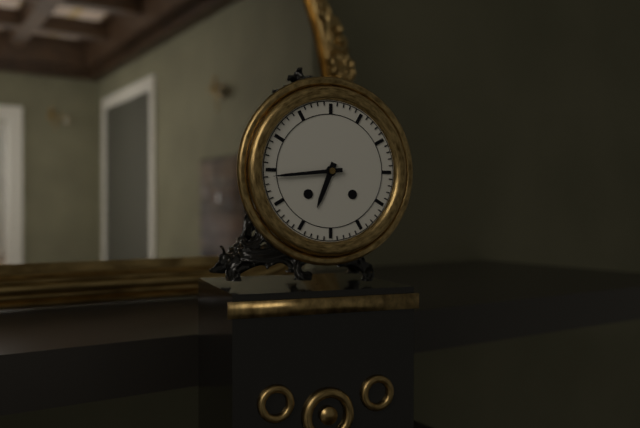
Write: 6:44
